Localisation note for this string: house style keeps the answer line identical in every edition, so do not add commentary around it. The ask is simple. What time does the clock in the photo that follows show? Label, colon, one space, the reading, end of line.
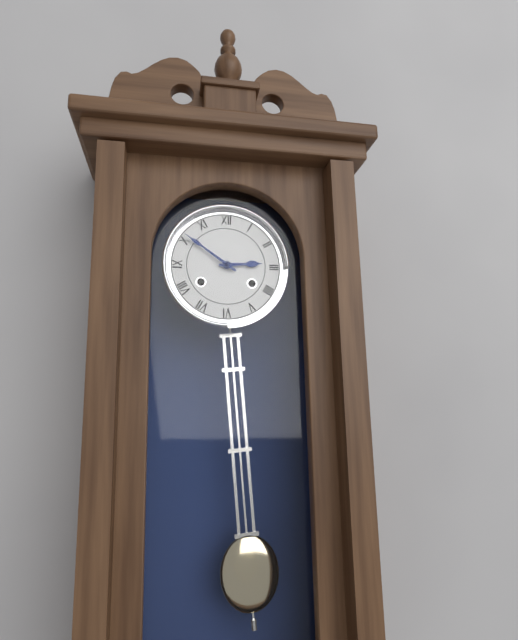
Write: 2:51
